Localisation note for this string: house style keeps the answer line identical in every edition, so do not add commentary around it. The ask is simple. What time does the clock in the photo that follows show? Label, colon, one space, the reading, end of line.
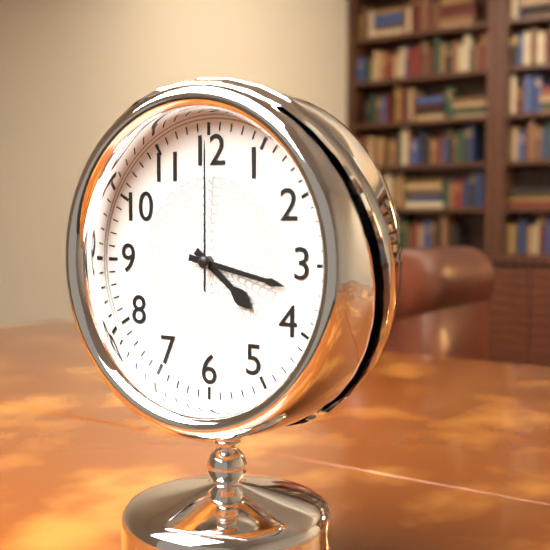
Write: 4:17:00
